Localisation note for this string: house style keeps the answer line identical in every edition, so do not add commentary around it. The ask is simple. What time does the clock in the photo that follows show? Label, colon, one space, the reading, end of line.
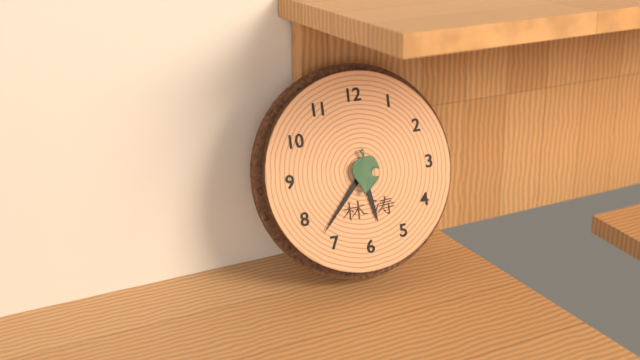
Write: 5:37
